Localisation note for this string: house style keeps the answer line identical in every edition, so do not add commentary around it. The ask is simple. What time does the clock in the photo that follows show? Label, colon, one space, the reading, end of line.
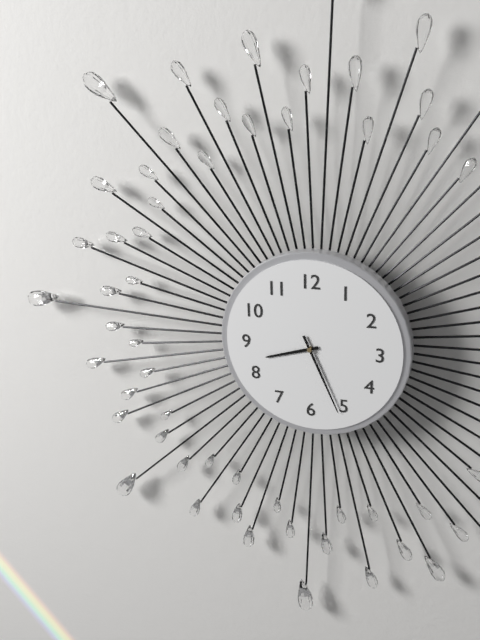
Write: 8:26
